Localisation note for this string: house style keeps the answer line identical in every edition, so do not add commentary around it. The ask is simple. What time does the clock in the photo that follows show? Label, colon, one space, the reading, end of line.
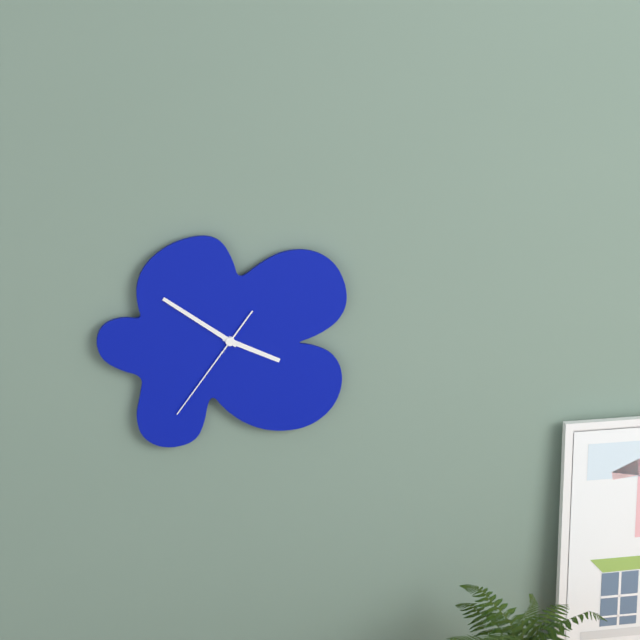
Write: 3:51:36
